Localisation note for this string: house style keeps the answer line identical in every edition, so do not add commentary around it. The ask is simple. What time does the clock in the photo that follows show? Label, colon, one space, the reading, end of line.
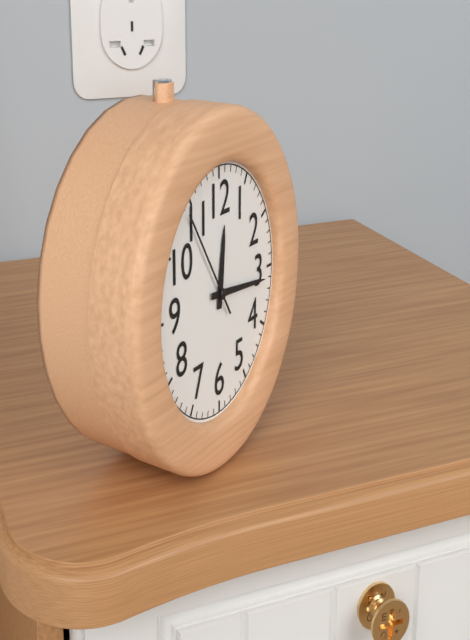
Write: 12:16:54
